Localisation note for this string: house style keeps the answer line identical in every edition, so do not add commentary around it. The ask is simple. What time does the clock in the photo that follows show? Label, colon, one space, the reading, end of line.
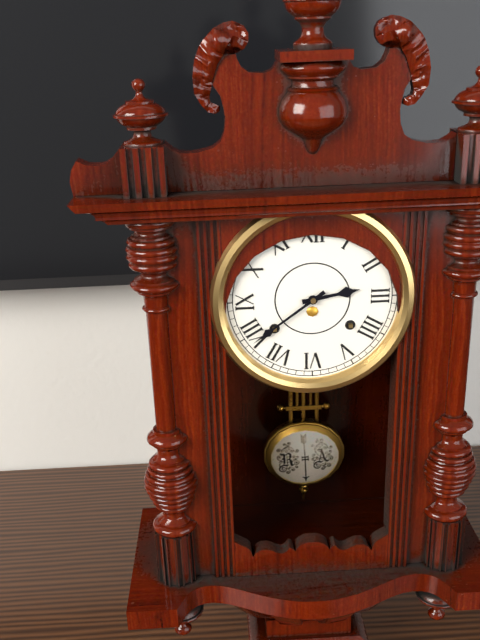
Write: 2:39
